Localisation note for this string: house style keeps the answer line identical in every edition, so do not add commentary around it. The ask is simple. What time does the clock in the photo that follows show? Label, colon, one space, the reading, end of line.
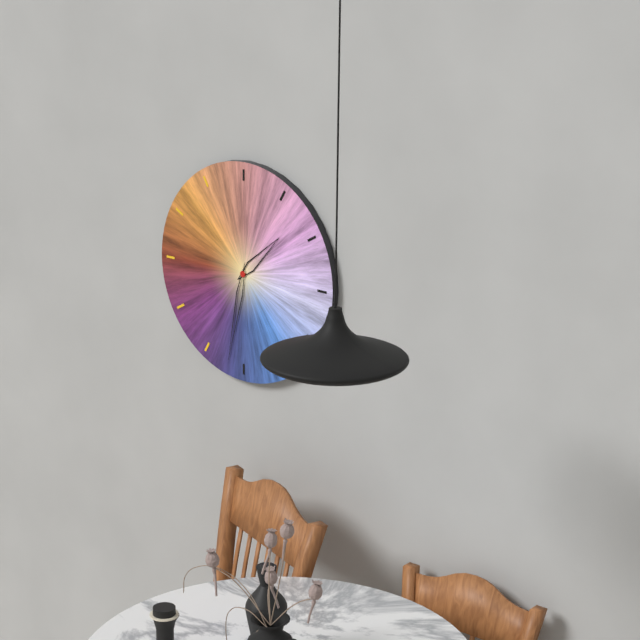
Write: 1:32
